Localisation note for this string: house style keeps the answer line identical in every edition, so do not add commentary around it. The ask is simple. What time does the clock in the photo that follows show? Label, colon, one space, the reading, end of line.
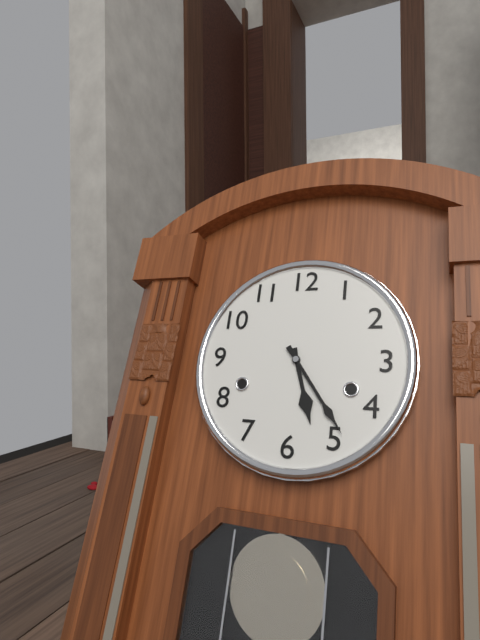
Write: 5:24
